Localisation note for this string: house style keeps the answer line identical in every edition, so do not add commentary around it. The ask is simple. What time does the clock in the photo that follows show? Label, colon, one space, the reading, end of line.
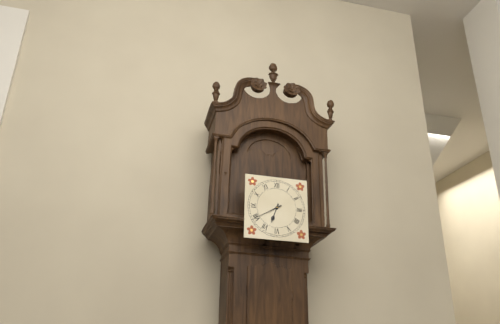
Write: 6:40
